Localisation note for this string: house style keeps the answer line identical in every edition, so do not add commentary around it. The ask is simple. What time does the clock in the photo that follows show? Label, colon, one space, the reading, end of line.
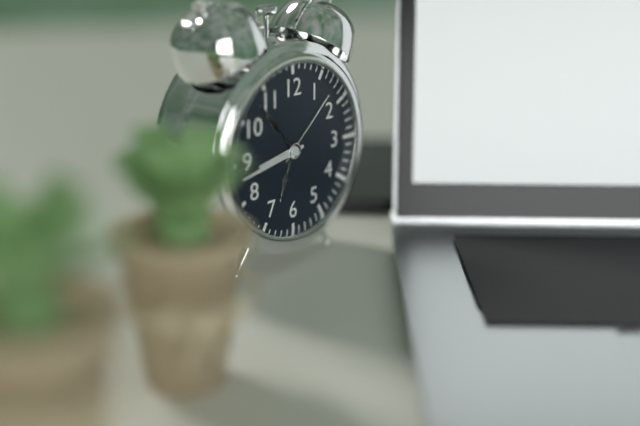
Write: 8:43
